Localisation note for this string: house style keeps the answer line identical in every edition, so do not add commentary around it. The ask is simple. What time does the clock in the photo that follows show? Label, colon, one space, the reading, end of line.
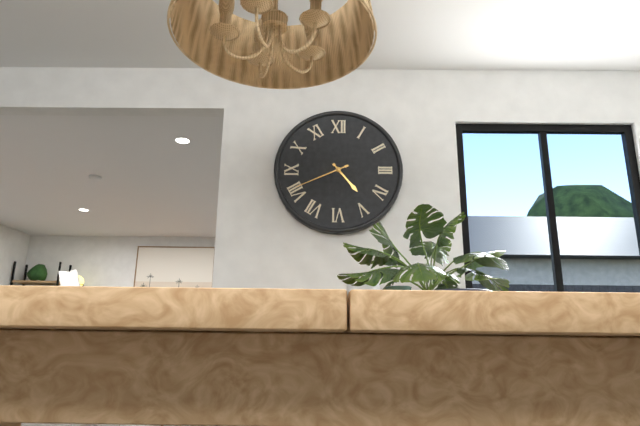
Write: 4:41
